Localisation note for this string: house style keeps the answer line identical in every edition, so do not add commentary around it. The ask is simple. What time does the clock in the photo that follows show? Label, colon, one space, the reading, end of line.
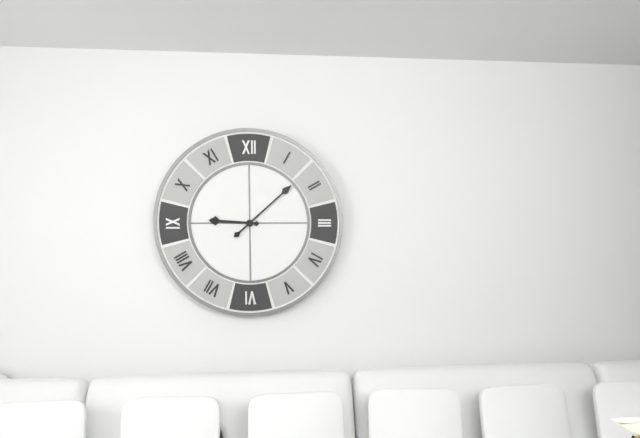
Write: 9:08
